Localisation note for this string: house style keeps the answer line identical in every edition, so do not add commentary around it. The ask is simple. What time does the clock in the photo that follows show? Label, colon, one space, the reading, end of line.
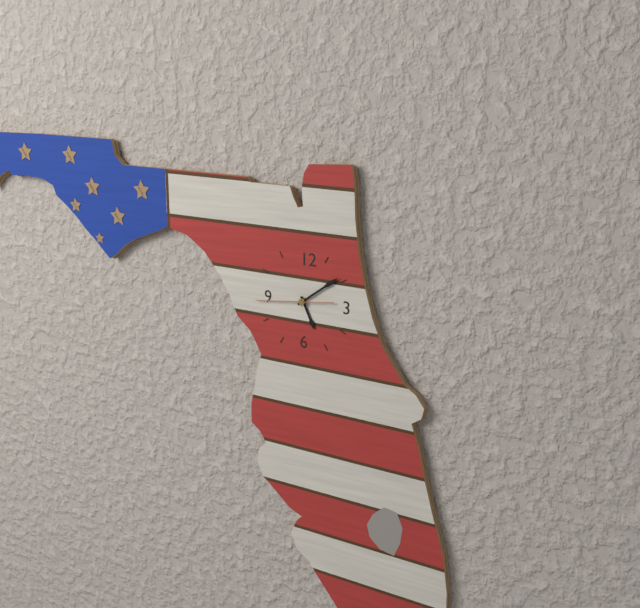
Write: 5:09:44
